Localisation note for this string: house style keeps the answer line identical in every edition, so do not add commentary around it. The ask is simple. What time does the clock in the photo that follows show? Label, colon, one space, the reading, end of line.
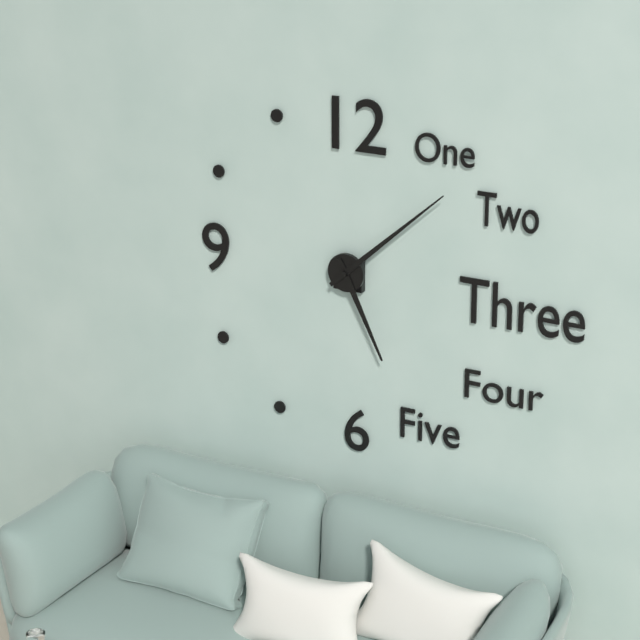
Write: 5:08
